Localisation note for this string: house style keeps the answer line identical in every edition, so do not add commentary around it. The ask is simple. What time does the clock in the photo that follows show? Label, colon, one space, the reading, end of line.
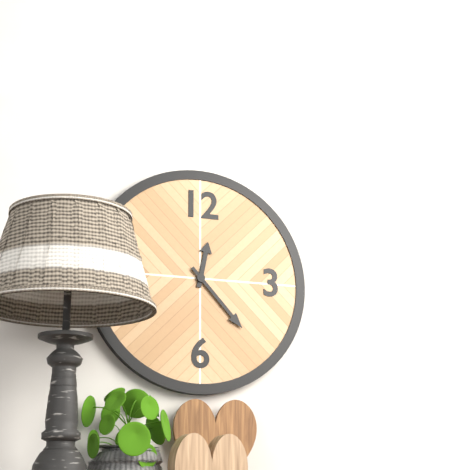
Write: 12:23
